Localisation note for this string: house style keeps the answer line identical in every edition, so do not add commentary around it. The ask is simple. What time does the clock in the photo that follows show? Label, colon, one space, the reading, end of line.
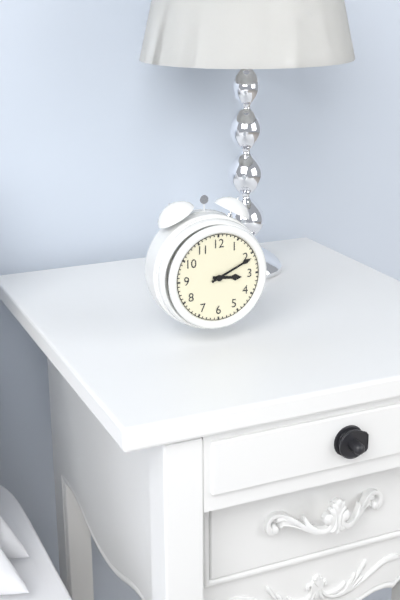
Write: 3:11
